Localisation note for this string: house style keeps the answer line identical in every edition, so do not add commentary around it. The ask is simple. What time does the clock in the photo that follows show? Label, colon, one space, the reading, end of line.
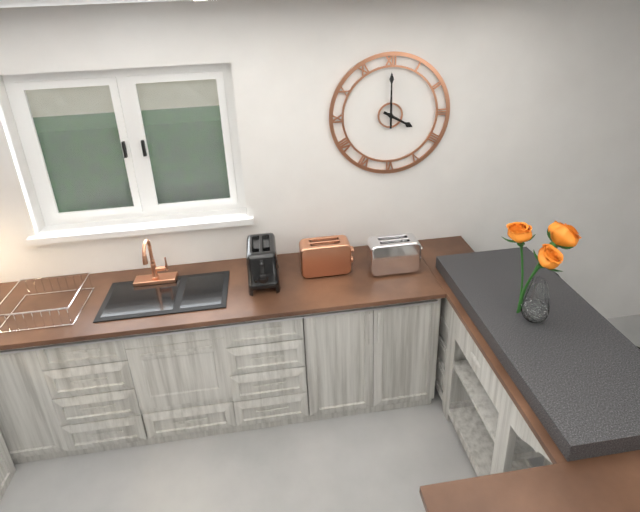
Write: 4:00
